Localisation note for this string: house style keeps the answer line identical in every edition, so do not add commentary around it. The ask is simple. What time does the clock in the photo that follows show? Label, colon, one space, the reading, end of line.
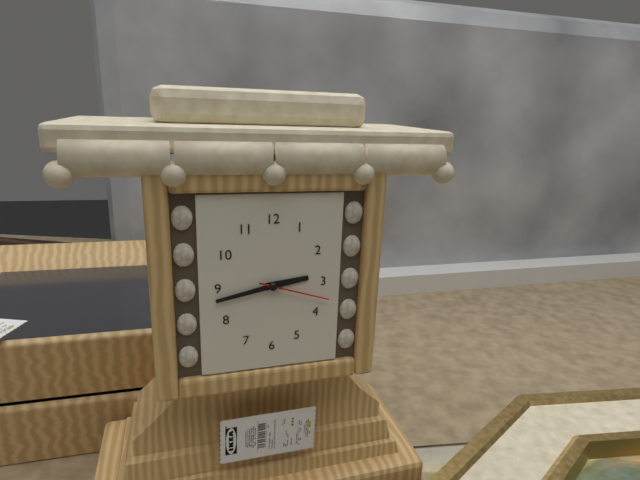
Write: 2:43:18
